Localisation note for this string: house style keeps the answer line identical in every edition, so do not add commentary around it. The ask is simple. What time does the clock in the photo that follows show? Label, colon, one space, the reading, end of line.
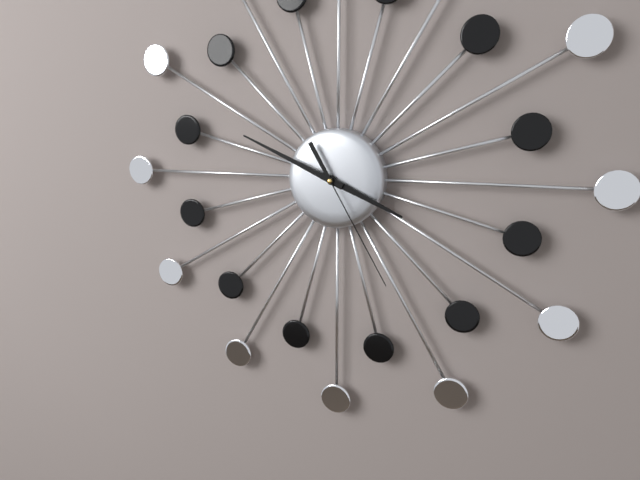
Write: 3:49:25
